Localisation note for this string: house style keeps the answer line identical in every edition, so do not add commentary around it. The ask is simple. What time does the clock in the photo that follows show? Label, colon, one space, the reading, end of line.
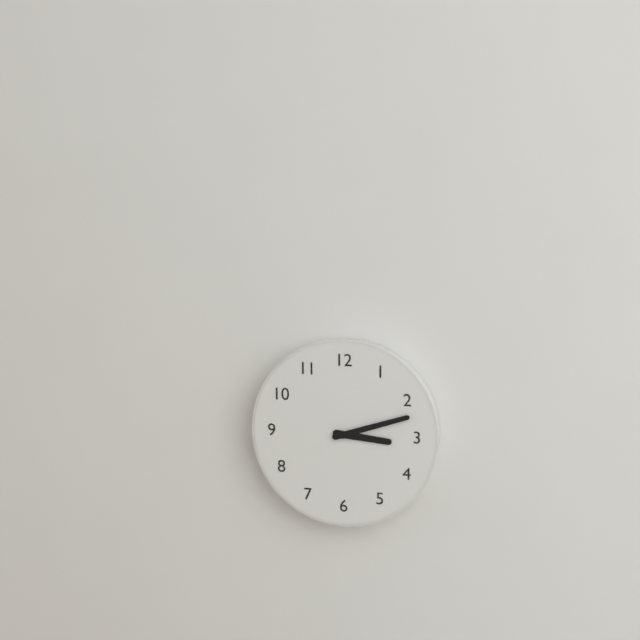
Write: 3:12
